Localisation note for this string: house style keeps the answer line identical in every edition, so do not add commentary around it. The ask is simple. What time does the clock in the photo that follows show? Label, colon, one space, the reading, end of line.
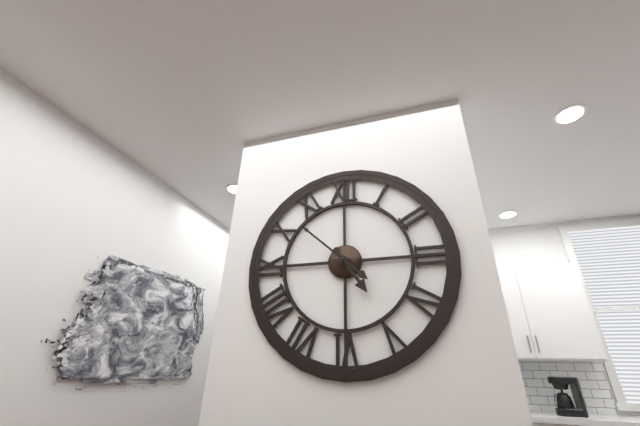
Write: 4:52
